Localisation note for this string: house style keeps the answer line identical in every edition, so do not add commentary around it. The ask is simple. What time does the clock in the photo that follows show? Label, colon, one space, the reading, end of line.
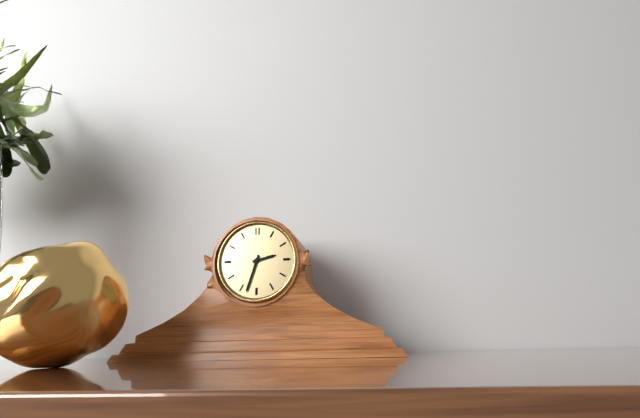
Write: 2:33
